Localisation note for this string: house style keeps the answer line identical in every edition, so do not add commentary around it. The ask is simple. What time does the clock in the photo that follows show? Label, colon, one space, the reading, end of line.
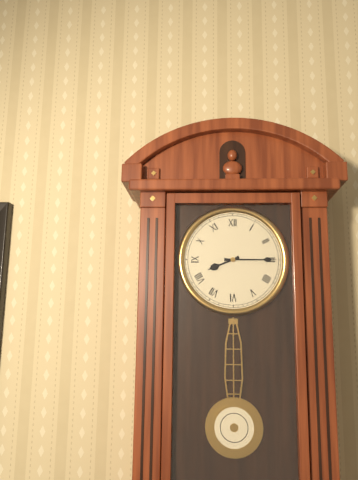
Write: 8:15
